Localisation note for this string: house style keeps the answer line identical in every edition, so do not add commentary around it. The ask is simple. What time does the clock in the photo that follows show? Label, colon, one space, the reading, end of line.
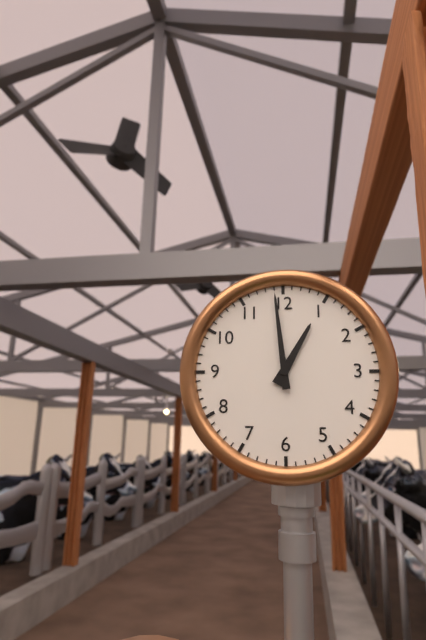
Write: 12:59
